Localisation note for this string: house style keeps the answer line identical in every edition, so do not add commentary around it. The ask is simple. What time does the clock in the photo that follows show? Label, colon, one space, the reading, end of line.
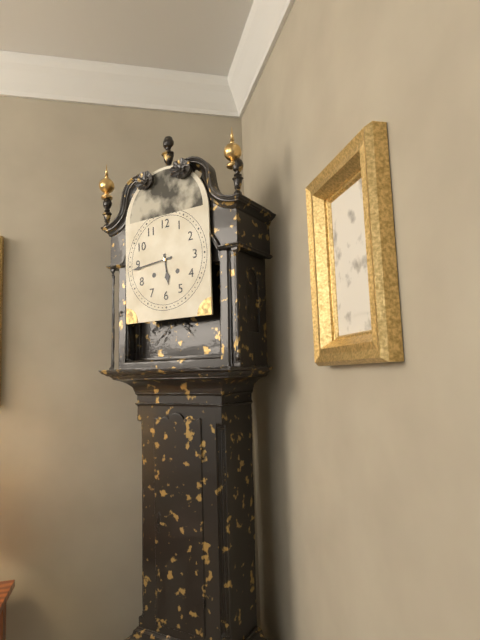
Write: 5:44
